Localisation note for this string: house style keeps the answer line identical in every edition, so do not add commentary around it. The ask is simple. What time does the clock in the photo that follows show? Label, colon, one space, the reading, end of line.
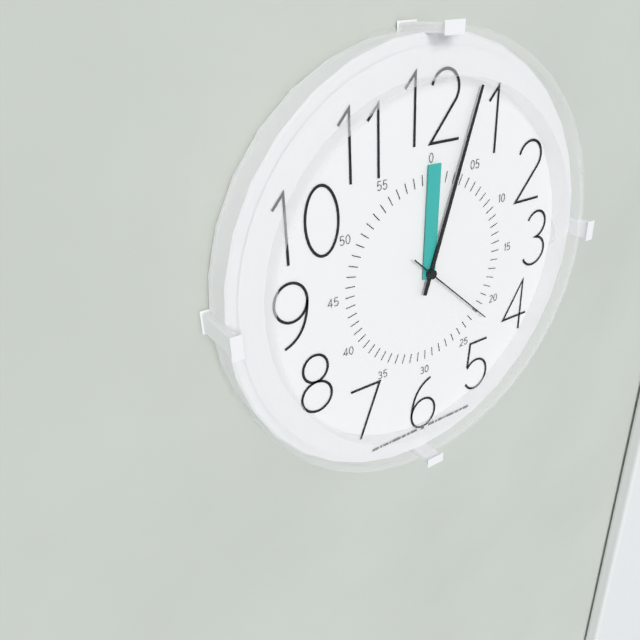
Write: 12:03:22
